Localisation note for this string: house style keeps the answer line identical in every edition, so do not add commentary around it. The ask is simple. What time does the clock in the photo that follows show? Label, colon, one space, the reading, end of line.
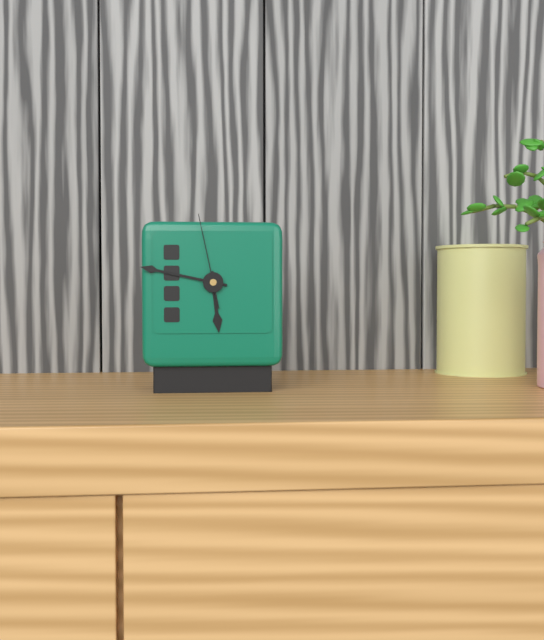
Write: 5:47:58
